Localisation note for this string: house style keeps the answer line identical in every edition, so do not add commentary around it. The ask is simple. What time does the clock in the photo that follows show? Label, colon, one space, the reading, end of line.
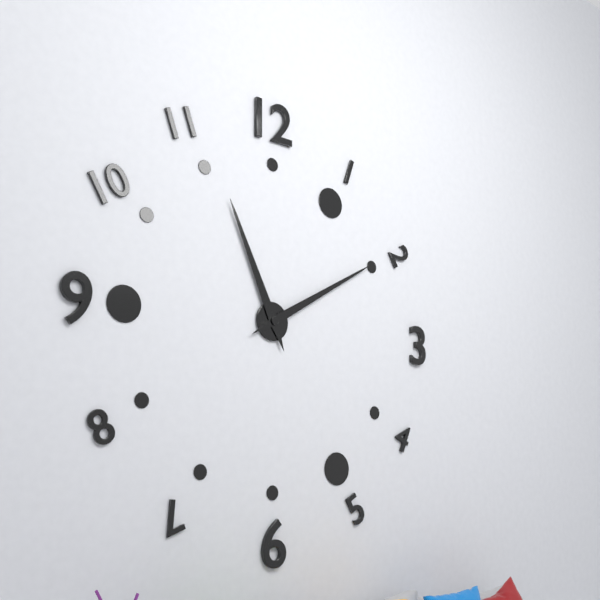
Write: 11:10
